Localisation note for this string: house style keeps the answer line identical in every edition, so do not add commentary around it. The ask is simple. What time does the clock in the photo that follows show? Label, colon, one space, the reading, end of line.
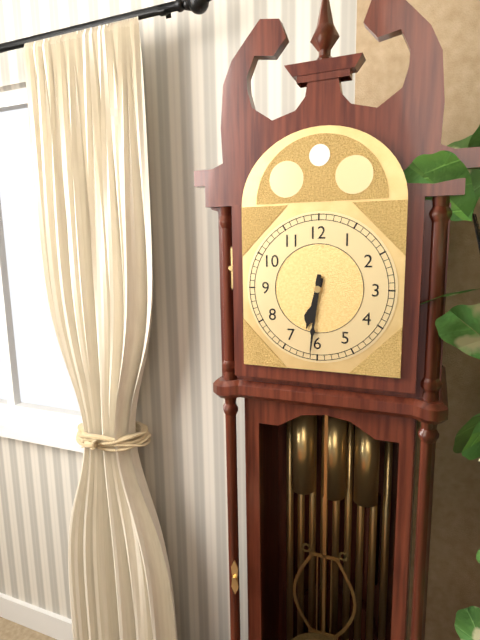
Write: 6:31
